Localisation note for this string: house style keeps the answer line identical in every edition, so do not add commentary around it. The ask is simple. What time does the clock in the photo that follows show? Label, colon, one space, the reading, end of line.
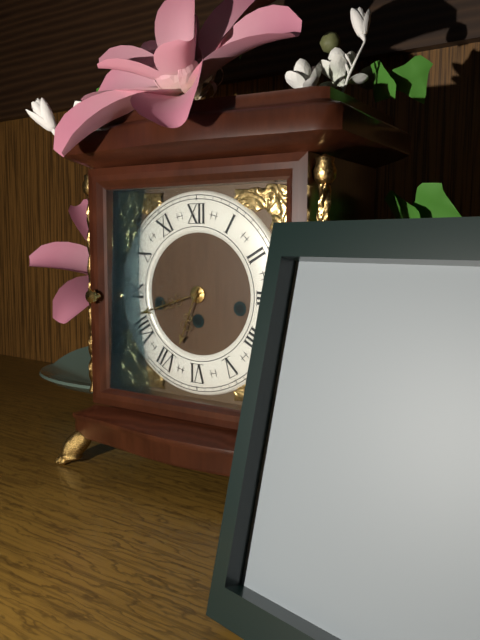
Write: 6:42
